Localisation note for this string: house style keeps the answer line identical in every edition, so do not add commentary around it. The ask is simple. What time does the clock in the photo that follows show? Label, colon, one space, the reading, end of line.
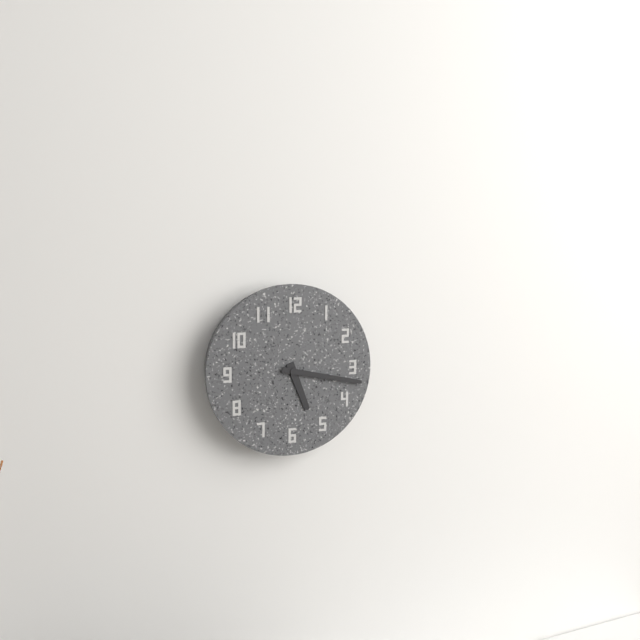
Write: 5:17
